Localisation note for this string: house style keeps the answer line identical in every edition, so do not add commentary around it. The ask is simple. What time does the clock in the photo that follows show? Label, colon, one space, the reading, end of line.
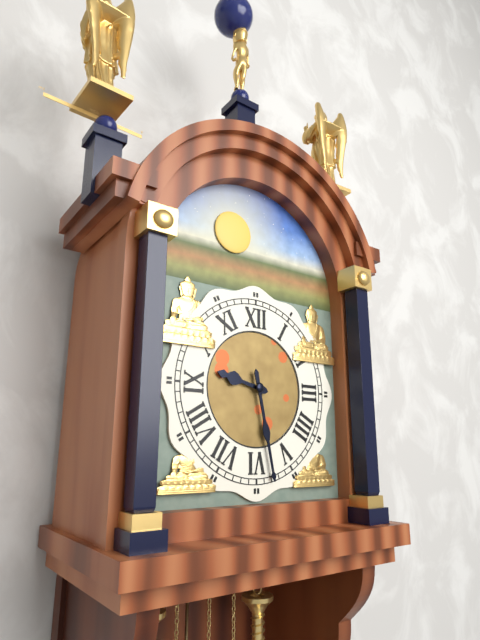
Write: 9:28
